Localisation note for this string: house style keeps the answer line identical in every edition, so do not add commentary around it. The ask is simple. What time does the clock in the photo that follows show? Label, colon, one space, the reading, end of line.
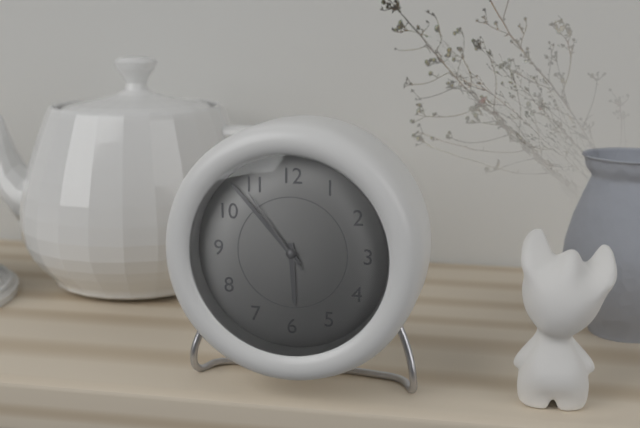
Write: 5:53:54
